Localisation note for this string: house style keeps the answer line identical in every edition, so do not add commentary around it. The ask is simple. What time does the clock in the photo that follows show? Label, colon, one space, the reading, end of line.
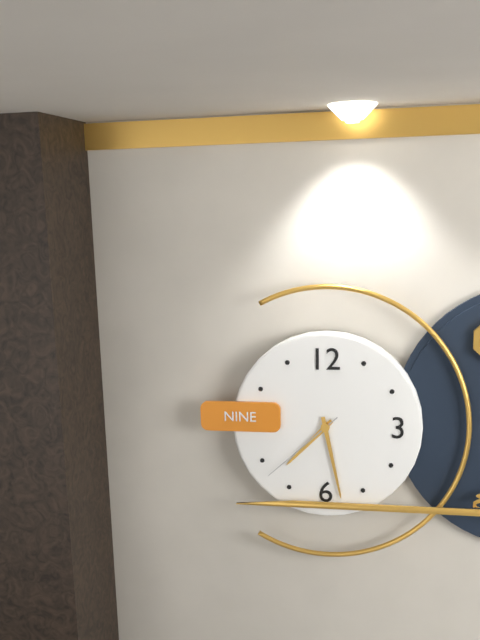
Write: 7:28:38
